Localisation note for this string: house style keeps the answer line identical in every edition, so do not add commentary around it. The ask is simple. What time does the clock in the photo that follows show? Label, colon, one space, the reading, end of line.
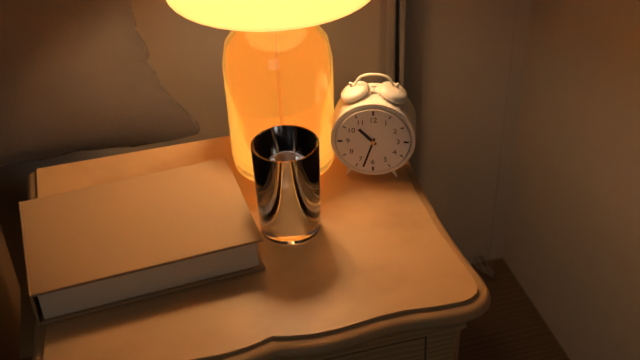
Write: 10:33
